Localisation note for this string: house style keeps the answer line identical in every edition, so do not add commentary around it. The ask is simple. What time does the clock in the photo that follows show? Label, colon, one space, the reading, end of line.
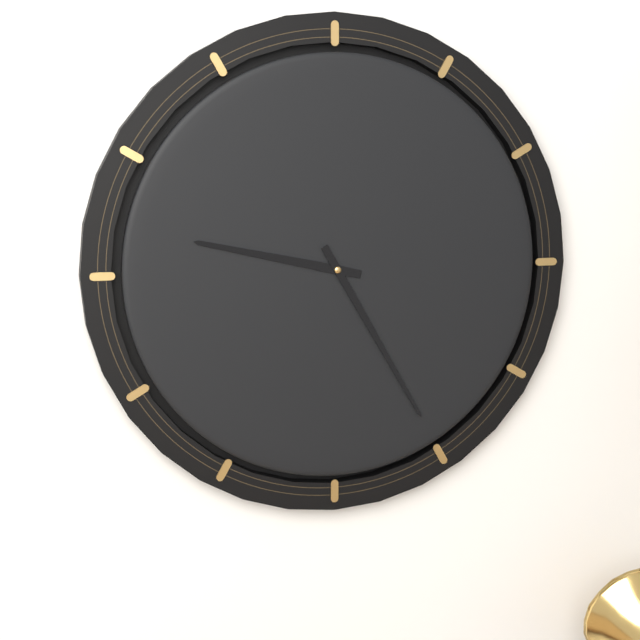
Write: 9:25
